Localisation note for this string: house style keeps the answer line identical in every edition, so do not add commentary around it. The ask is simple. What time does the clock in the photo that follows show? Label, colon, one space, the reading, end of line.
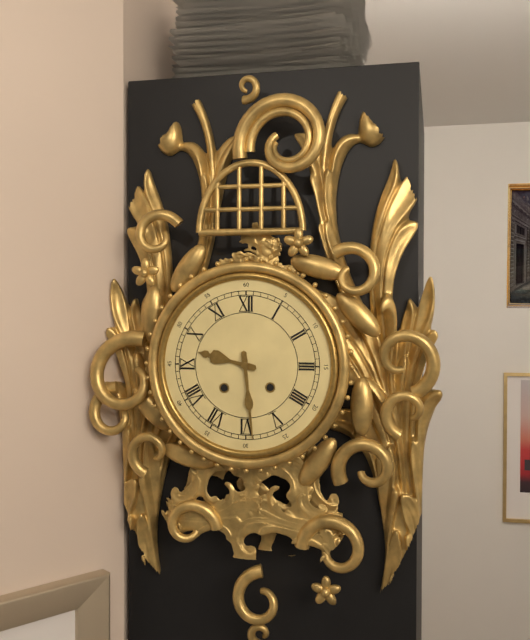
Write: 9:29
